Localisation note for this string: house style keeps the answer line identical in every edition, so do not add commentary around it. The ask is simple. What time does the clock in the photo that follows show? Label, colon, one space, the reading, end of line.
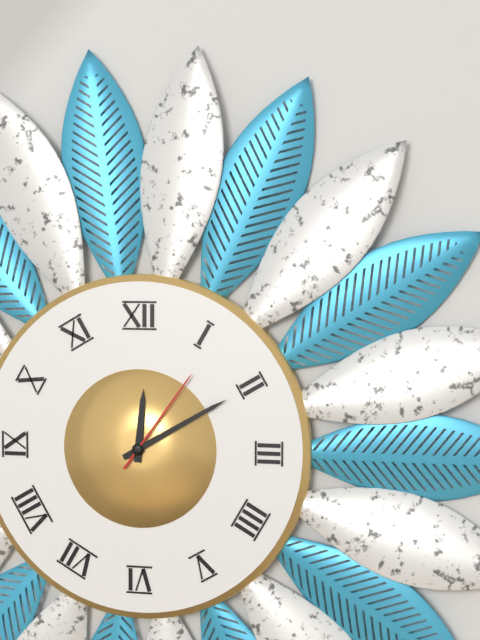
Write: 12:10:06
